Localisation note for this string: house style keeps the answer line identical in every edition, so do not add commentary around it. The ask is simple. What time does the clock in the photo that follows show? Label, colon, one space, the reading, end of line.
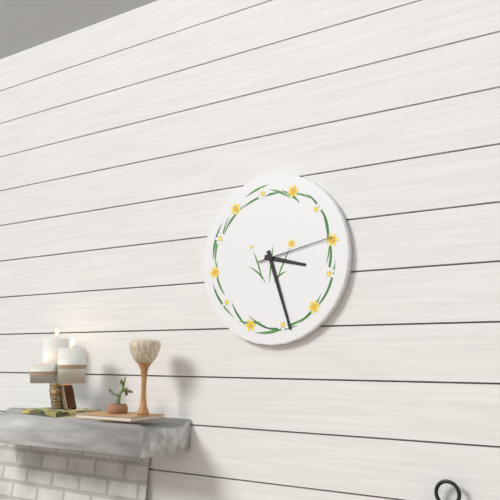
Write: 3:27:13
